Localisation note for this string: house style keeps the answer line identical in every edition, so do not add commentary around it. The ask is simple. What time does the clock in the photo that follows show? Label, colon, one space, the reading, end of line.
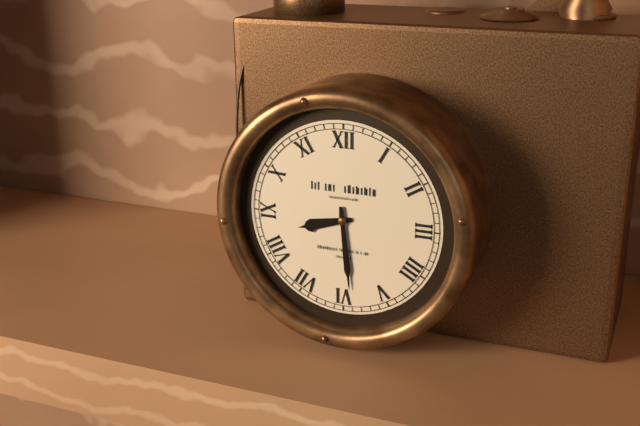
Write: 8:29
